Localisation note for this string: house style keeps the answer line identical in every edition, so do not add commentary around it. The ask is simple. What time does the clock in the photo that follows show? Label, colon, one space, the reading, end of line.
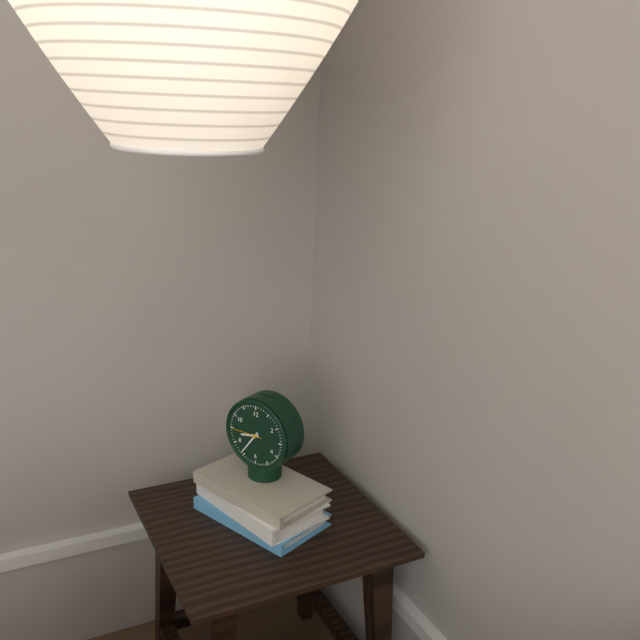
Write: 8:36
